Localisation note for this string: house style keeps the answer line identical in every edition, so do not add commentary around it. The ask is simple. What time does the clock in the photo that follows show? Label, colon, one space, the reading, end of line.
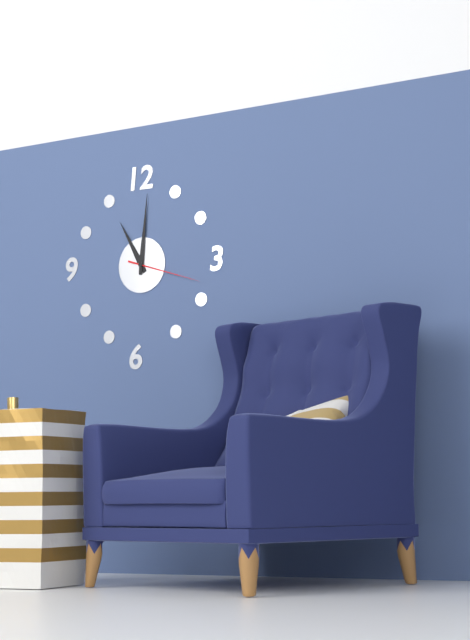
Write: 11:01:18
